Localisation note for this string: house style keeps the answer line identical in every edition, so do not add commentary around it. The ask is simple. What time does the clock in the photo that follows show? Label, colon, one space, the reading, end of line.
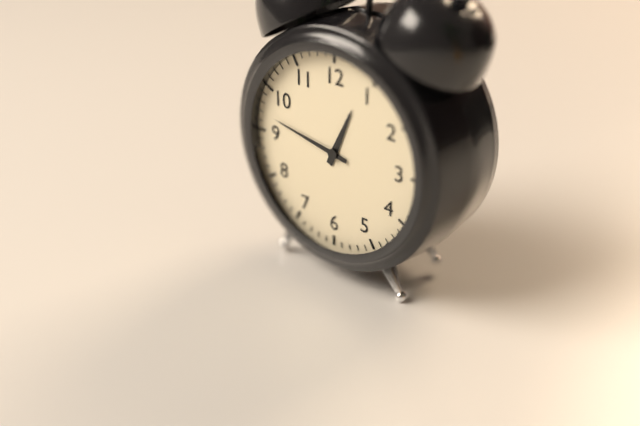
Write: 12:47
